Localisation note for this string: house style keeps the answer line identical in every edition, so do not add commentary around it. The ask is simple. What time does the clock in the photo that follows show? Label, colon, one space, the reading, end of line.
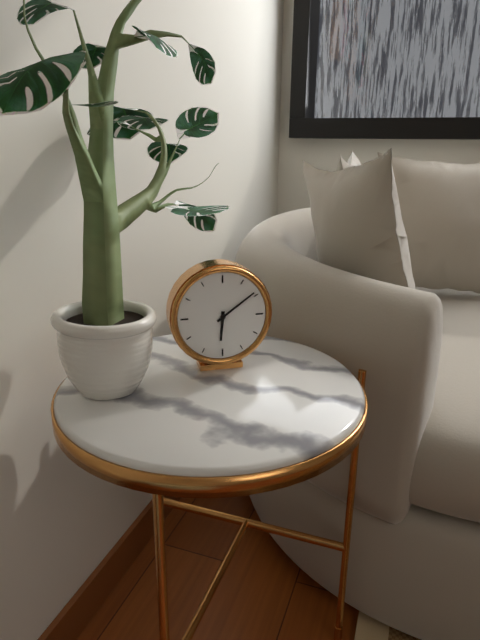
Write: 6:09
